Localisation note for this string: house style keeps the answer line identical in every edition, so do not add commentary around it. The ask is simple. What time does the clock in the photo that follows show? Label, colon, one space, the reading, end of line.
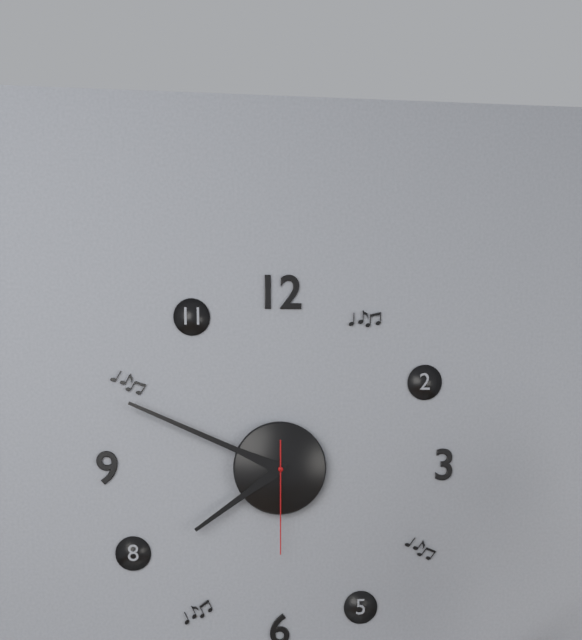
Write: 7:49:30
